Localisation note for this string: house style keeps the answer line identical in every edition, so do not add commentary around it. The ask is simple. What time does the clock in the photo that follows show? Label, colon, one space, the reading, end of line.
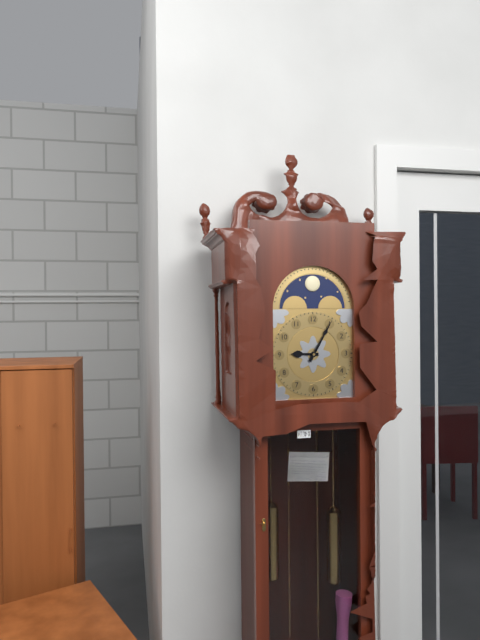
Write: 9:05
